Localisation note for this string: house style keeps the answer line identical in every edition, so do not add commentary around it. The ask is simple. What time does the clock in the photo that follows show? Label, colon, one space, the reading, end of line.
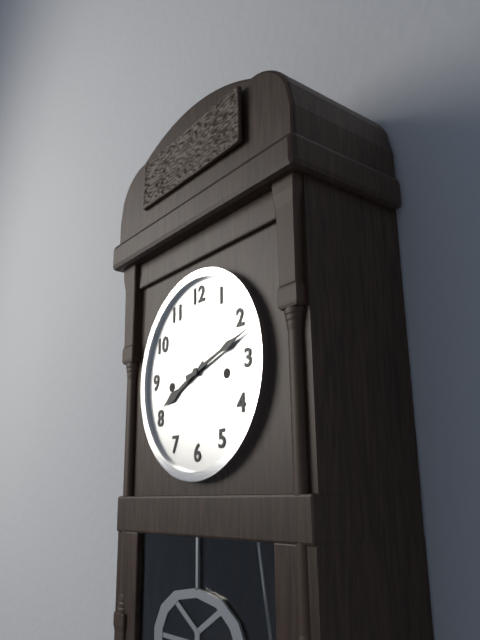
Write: 8:12
